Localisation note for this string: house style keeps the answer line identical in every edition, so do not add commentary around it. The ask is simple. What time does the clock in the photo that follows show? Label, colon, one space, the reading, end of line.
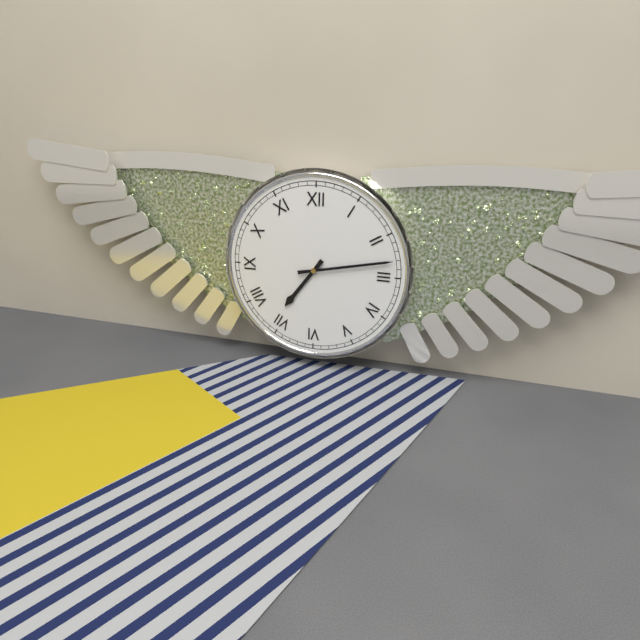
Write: 7:13
